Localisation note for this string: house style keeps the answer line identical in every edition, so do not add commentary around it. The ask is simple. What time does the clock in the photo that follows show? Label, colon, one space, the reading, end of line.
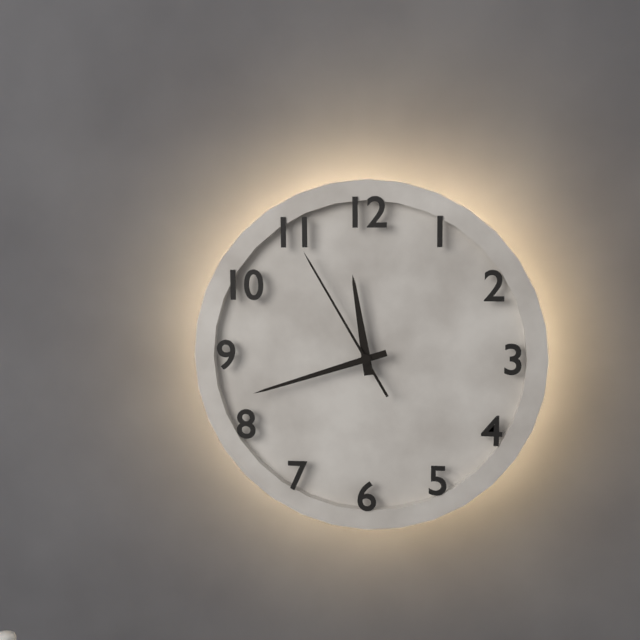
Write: 11:42:55
